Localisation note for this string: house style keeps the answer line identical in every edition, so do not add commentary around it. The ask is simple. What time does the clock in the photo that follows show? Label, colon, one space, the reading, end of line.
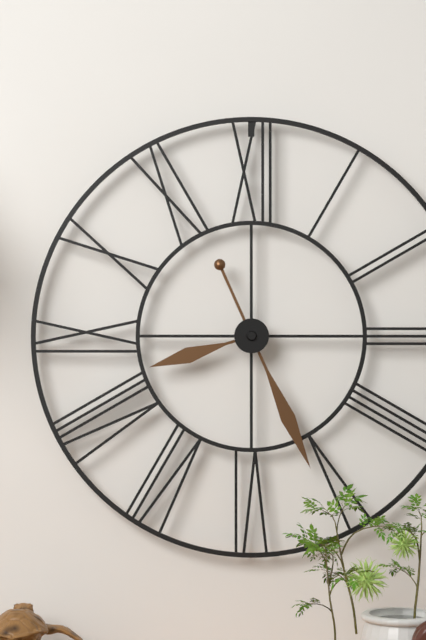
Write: 8:26
